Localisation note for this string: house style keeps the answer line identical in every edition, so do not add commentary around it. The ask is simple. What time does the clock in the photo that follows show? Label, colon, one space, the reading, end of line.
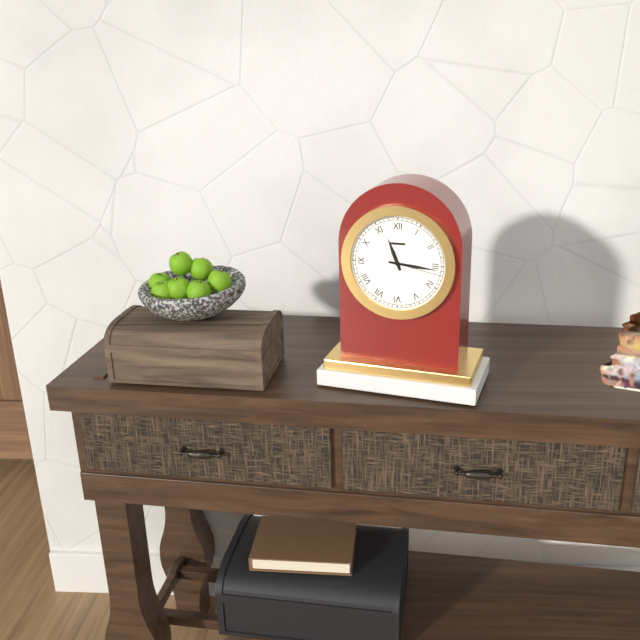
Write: 11:16:17
